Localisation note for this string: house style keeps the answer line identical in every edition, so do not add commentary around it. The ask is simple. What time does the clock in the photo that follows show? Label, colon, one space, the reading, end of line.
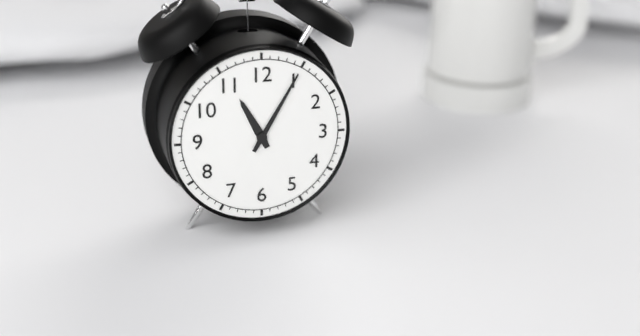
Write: 11:05
